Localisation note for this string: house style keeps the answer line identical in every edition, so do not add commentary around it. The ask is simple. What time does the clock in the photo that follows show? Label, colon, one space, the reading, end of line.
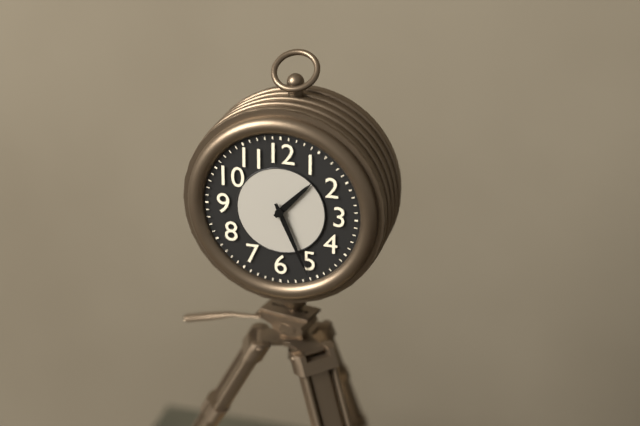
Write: 1:26
